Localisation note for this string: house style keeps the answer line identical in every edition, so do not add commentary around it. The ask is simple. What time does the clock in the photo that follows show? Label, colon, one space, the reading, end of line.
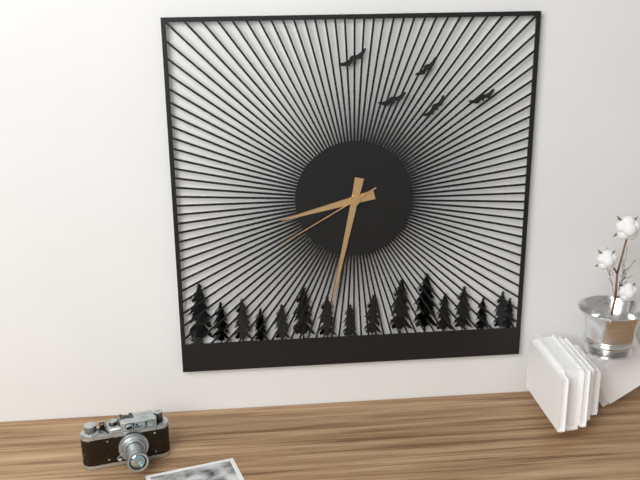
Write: 8:32:40
